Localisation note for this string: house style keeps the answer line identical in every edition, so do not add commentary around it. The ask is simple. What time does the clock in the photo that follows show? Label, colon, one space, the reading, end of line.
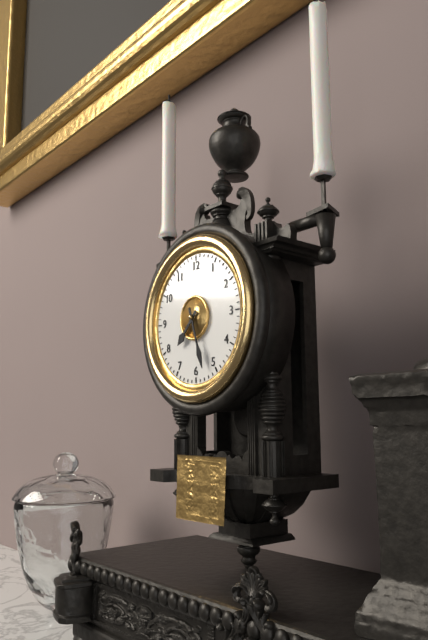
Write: 7:27
